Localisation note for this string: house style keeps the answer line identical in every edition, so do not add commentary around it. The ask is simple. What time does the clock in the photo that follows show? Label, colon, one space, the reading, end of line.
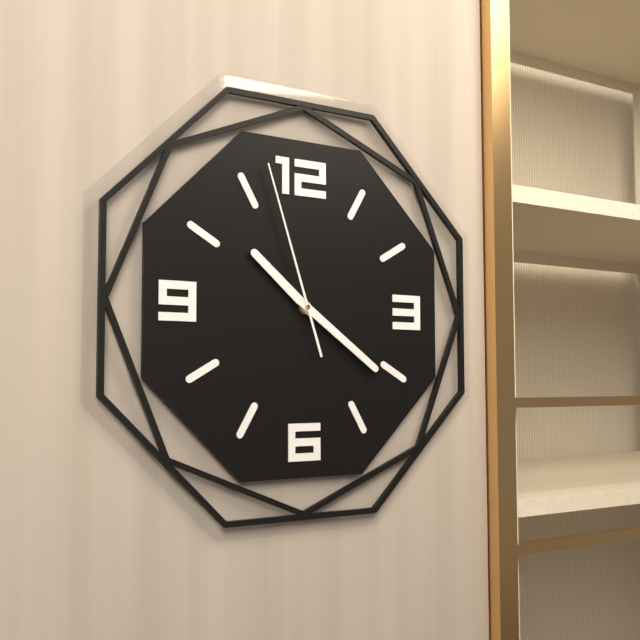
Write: 10:21:57
